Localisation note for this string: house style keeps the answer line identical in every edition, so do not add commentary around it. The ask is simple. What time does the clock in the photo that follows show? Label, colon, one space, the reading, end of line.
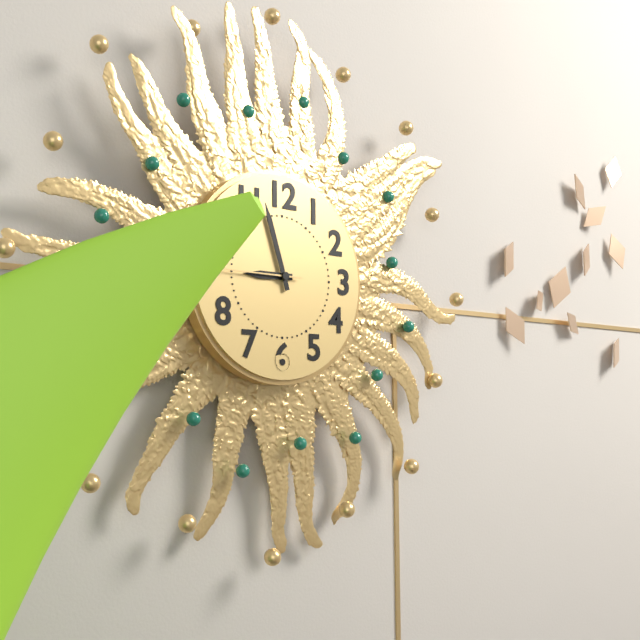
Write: 8:57:45
